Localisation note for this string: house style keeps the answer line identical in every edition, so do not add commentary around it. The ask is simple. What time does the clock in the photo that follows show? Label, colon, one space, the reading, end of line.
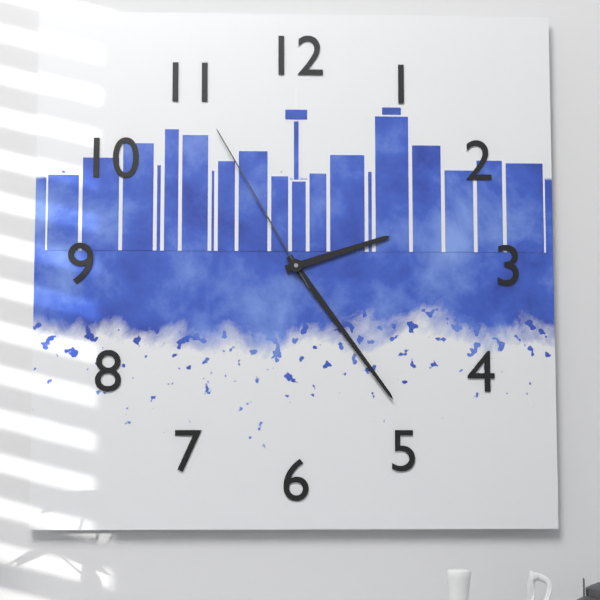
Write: 2:24:55
